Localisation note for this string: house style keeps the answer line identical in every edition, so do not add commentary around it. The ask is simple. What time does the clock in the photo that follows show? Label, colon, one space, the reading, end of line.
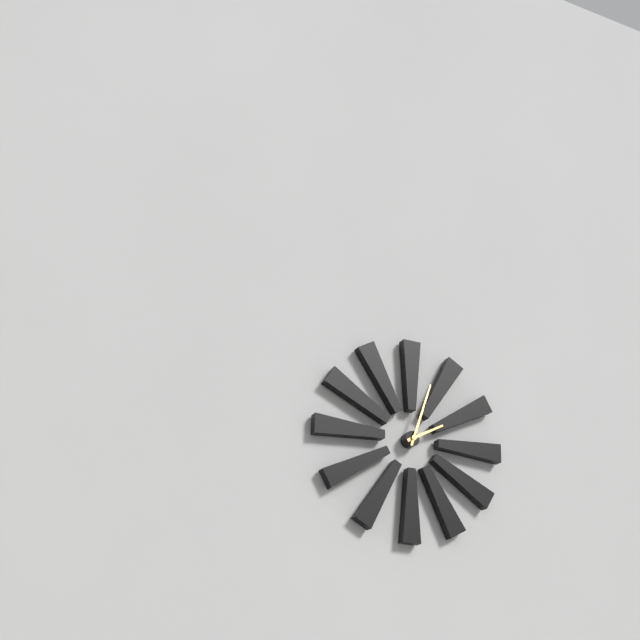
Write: 2:03
